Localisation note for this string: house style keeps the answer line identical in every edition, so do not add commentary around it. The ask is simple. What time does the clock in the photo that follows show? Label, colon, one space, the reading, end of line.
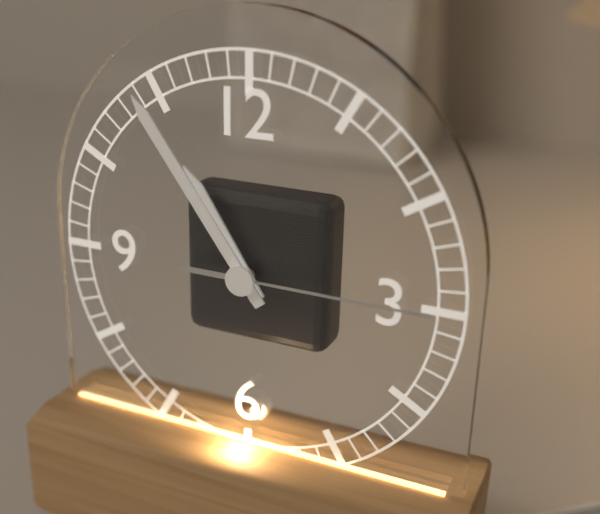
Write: 10:54:15
